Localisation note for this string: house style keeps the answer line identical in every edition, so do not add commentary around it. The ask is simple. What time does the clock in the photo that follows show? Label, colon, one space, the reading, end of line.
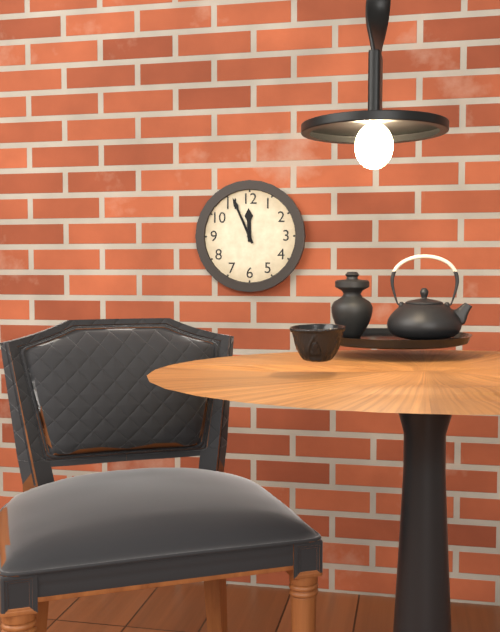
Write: 11:56
